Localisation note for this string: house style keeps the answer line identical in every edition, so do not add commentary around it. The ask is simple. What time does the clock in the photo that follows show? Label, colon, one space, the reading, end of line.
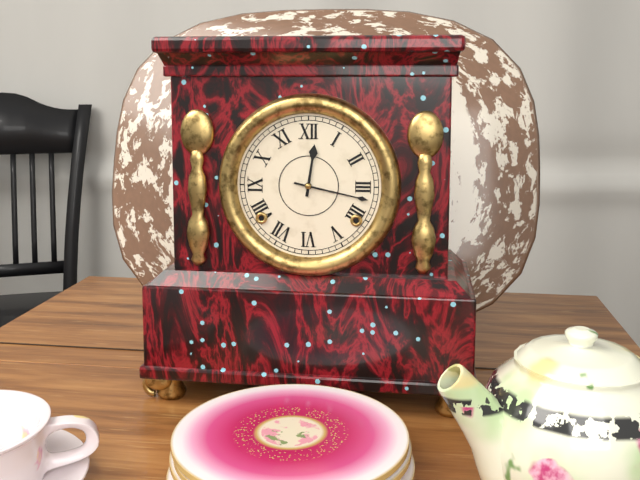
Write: 12:17
